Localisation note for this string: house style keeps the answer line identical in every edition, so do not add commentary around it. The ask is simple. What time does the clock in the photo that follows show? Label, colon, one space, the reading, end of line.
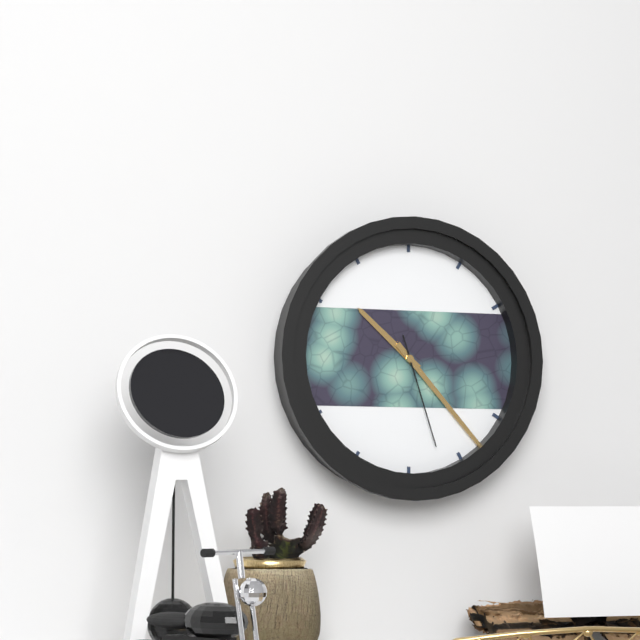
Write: 10:23:27
